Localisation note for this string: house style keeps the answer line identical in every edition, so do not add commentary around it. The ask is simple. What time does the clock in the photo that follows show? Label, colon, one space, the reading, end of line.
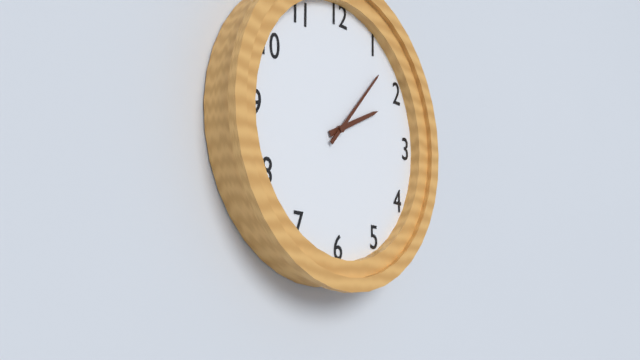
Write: 2:07
